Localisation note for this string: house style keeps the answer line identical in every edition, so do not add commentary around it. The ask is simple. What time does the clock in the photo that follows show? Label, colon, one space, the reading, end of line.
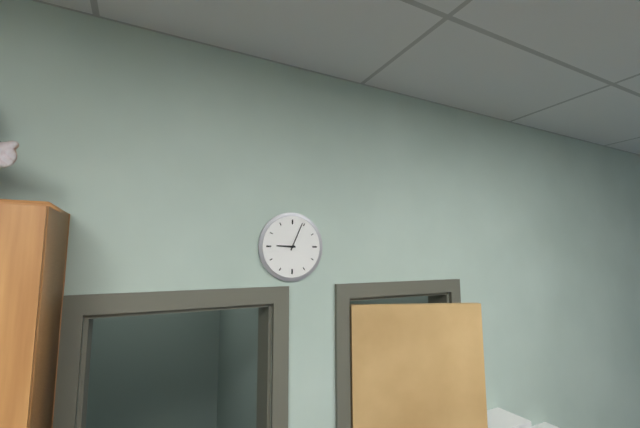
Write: 9:04
